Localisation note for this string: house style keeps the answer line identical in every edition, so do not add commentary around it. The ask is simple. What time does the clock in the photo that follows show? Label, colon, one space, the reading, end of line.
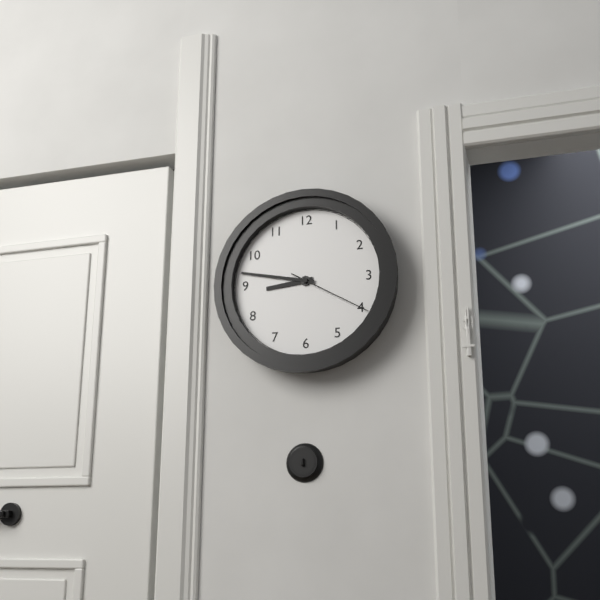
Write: 8:47:20
